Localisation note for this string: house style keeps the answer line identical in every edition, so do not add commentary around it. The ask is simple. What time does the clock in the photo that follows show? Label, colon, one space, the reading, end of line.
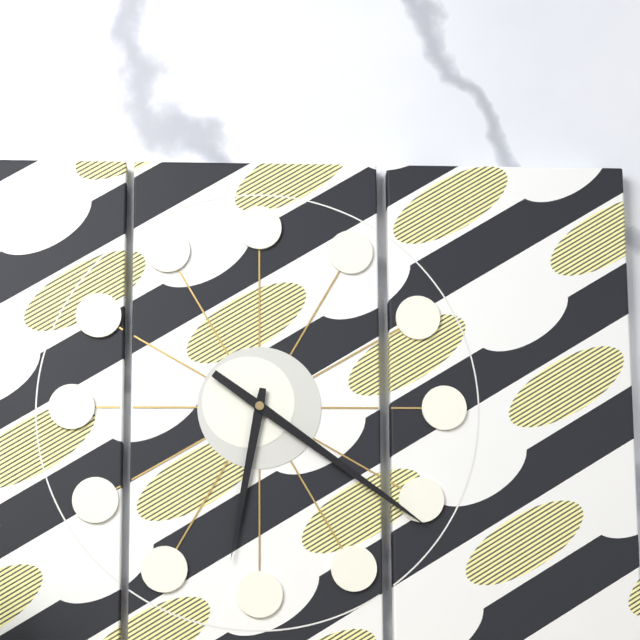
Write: 6:21
